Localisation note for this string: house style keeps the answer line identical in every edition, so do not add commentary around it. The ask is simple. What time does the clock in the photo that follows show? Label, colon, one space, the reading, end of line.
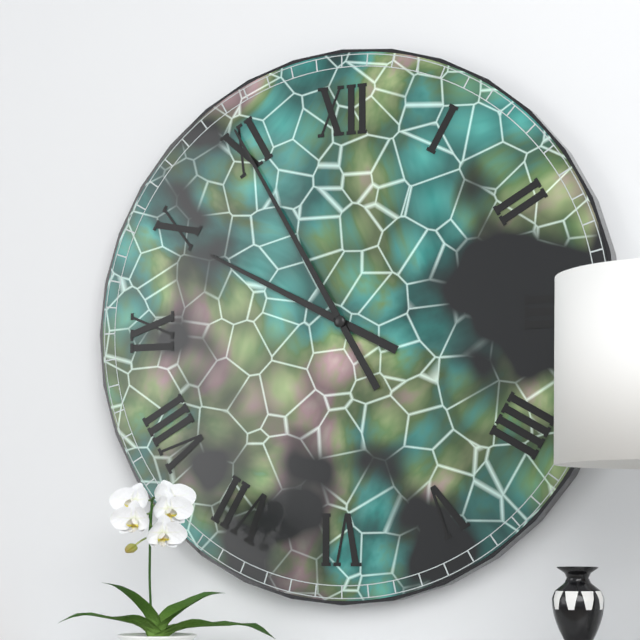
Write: 9:55
